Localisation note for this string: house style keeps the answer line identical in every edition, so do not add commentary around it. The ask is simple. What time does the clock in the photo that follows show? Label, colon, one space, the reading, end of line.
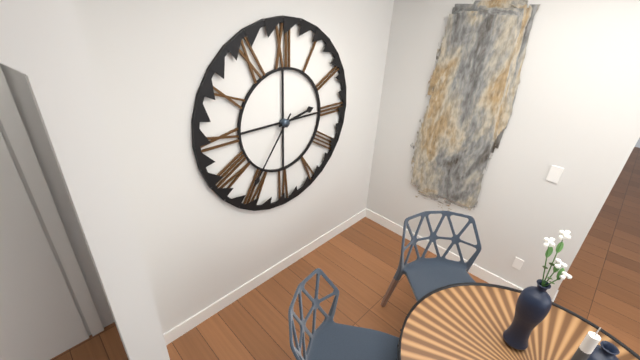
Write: 2:36
